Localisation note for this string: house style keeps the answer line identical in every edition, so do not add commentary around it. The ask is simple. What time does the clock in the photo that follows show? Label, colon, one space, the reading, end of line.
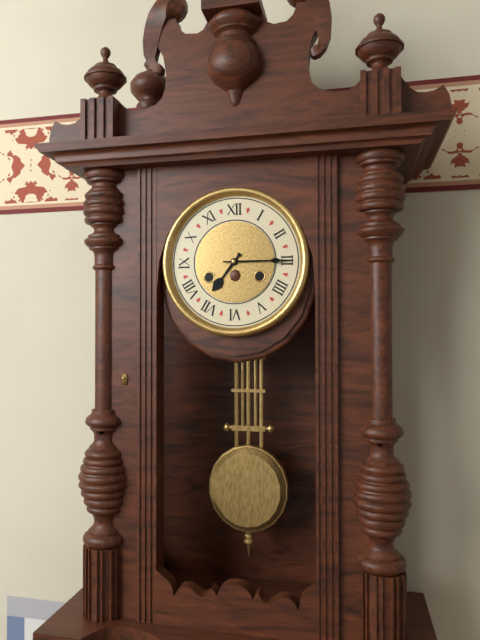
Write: 7:15
